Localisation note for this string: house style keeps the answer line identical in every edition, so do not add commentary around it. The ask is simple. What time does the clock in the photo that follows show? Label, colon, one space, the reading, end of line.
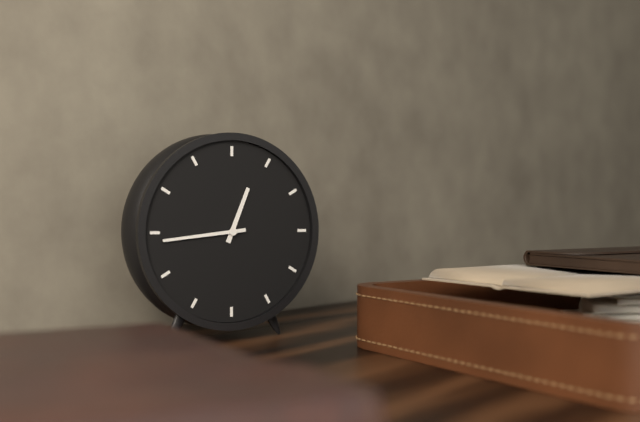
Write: 12:44
